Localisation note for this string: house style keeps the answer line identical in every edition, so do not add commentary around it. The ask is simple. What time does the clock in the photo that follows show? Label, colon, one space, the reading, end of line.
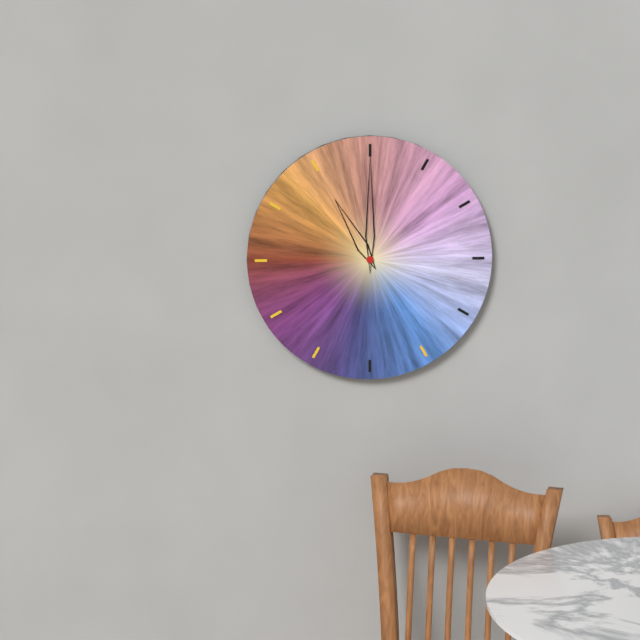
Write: 11:00
